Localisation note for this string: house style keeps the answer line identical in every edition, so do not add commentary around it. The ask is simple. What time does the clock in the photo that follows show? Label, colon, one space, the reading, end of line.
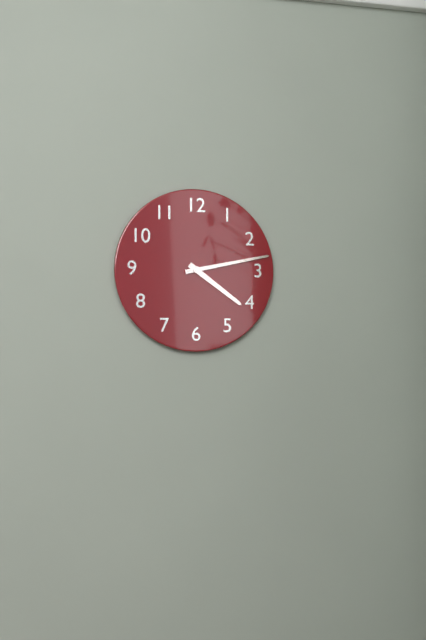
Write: 4:13
